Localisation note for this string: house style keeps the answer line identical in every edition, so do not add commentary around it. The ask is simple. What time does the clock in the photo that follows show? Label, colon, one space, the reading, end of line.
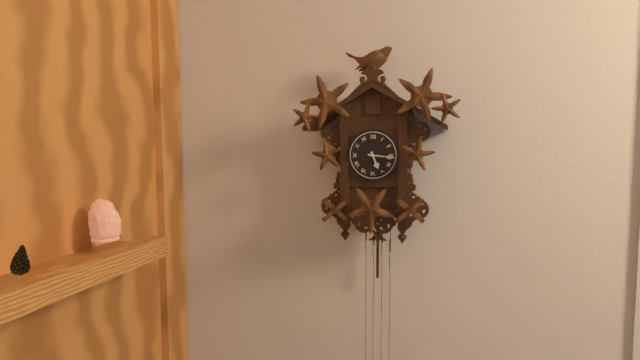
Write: 5:16
